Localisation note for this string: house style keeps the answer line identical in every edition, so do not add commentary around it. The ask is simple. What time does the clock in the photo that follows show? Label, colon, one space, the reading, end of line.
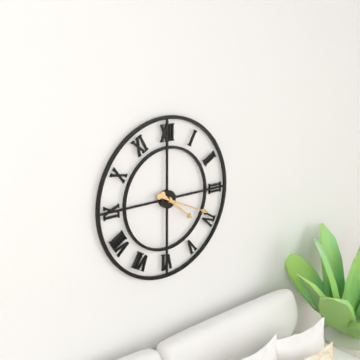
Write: 4:19
